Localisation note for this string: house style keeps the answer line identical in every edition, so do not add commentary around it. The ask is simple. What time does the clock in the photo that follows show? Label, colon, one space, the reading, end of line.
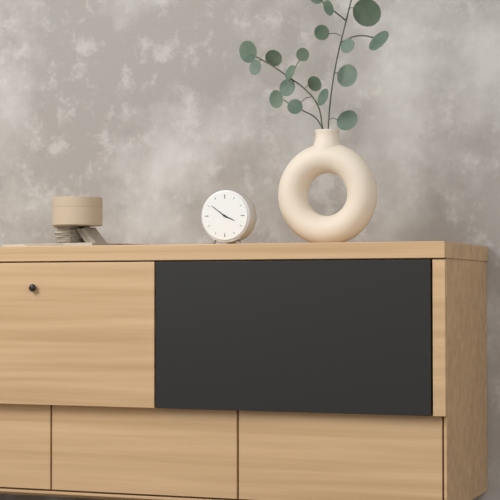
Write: 3:51
